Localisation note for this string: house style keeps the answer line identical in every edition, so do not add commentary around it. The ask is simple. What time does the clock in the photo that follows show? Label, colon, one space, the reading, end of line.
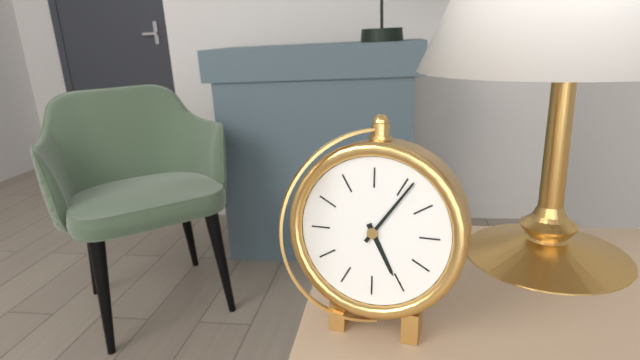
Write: 5:06
